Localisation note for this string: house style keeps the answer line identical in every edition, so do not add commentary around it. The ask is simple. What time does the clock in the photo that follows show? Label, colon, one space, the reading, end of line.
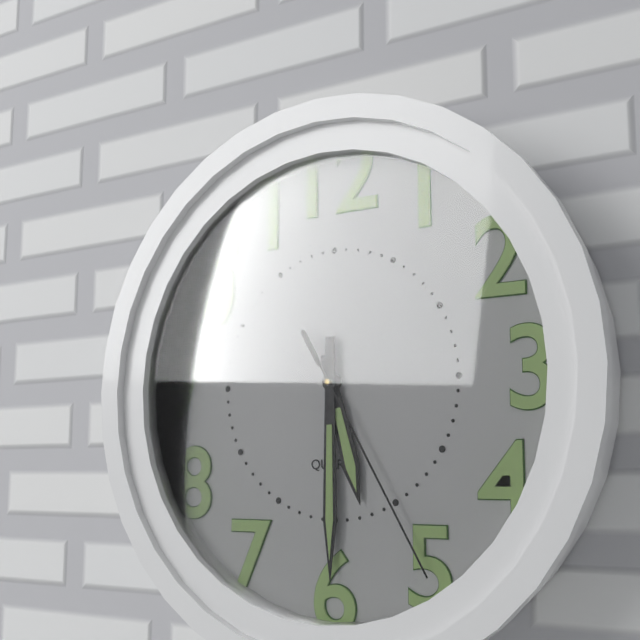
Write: 5:30:25
